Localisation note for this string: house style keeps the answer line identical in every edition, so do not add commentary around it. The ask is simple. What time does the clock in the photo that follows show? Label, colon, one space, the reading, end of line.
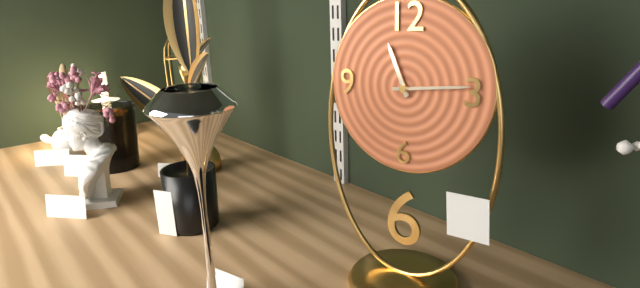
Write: 11:14
